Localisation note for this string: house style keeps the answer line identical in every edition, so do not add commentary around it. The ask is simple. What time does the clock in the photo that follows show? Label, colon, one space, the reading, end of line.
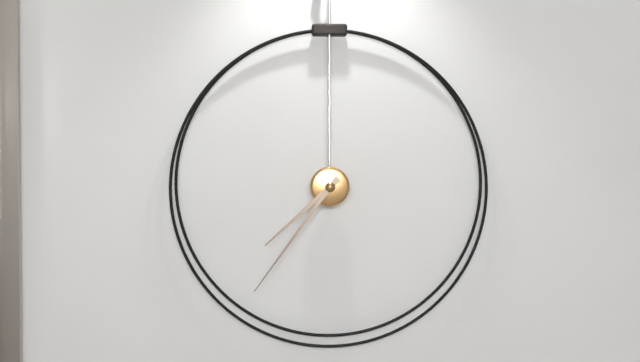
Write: 7:36
